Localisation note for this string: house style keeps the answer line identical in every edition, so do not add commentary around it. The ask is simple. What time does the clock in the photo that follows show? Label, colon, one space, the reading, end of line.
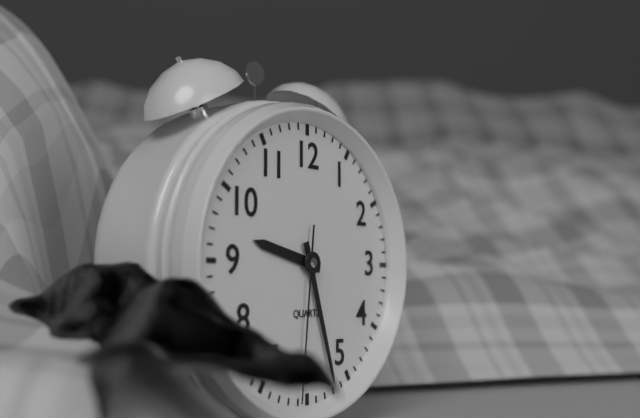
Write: 9:27:31
